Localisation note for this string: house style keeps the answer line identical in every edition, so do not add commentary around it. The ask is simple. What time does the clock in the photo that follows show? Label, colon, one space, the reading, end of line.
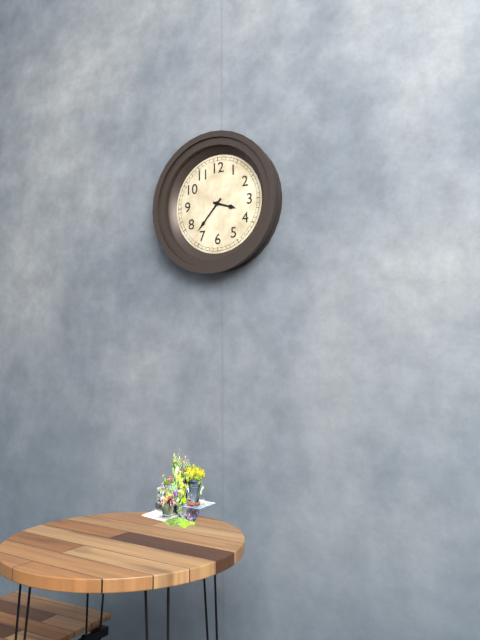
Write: 3:37
